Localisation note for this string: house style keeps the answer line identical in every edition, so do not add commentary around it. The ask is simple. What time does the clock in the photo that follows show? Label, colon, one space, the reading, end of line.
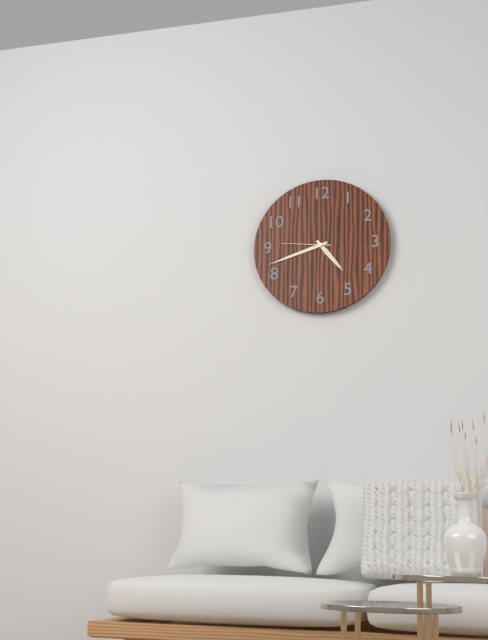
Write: 4:42
